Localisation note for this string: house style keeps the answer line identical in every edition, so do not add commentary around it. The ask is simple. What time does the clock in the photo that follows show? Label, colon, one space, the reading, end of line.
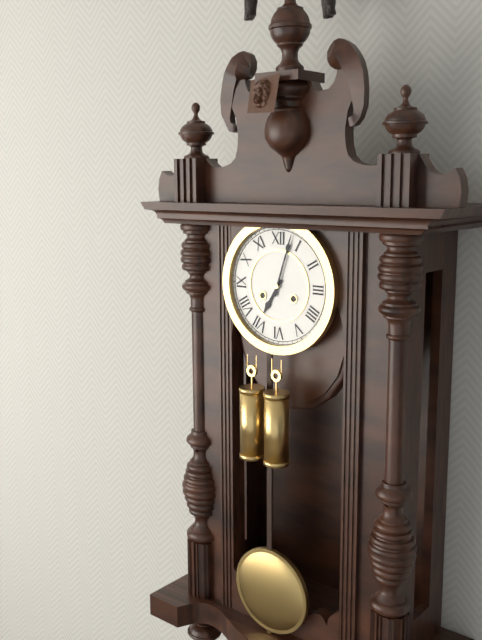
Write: 7:03
